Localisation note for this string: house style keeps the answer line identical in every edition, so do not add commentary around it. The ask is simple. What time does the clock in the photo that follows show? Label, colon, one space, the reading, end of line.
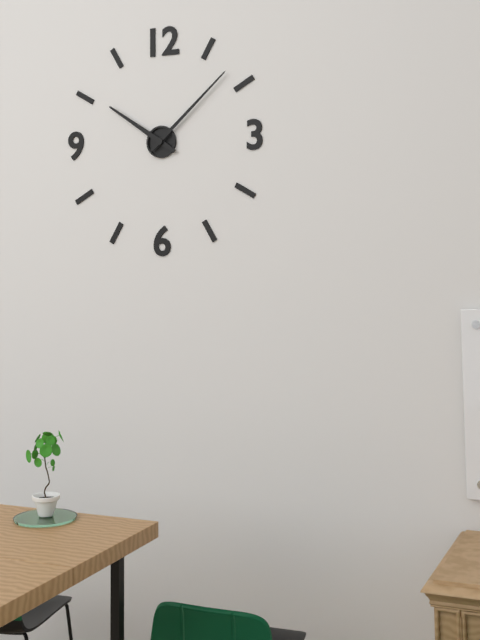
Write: 10:08
